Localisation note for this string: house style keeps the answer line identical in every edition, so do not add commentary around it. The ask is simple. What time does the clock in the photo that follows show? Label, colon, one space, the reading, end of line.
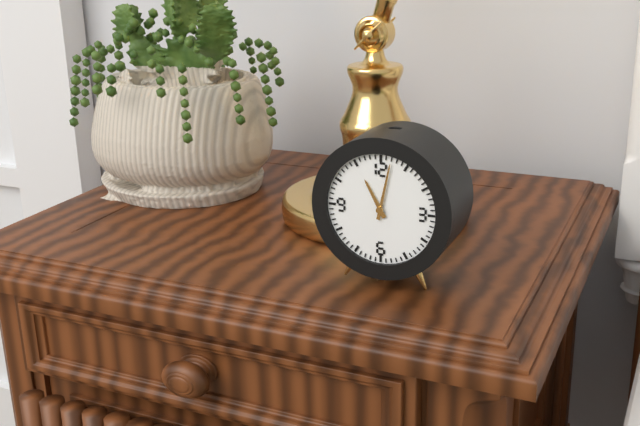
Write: 11:02
